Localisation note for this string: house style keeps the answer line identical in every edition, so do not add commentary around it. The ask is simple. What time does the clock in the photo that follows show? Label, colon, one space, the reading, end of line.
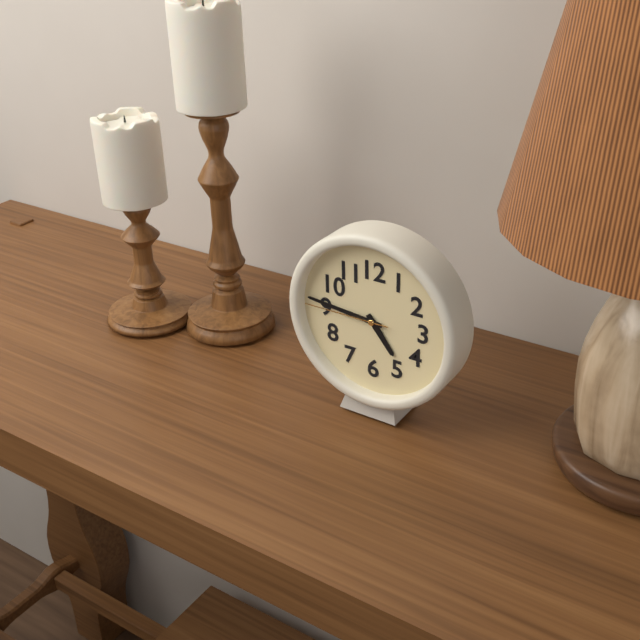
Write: 4:46:45
